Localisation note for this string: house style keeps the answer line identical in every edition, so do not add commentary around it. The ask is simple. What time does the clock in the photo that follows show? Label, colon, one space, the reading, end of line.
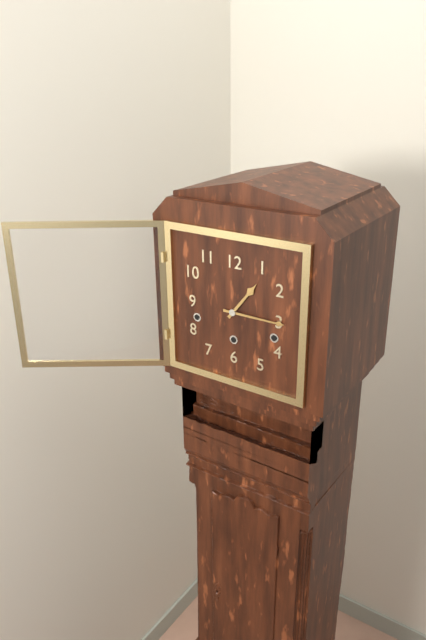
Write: 1:15
